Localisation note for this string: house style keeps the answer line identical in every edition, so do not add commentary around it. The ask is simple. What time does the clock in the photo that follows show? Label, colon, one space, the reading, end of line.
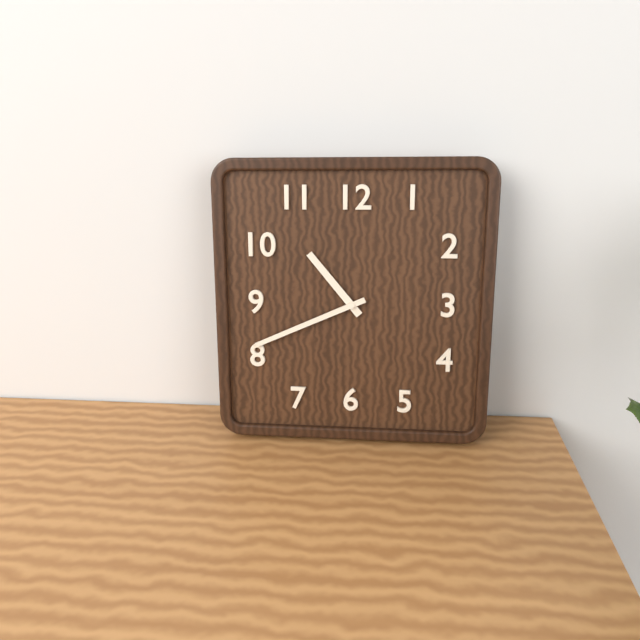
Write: 10:41
